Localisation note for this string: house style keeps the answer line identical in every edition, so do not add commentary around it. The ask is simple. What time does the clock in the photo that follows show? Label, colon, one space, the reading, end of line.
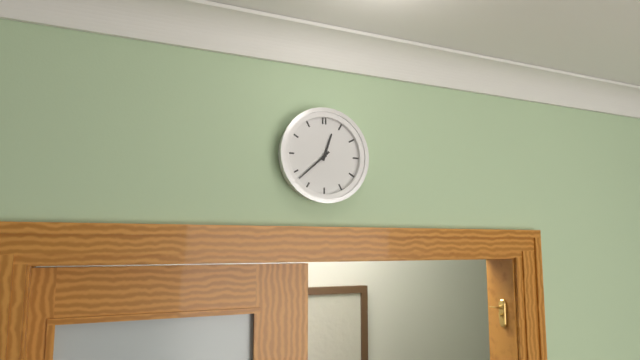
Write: 12:38
